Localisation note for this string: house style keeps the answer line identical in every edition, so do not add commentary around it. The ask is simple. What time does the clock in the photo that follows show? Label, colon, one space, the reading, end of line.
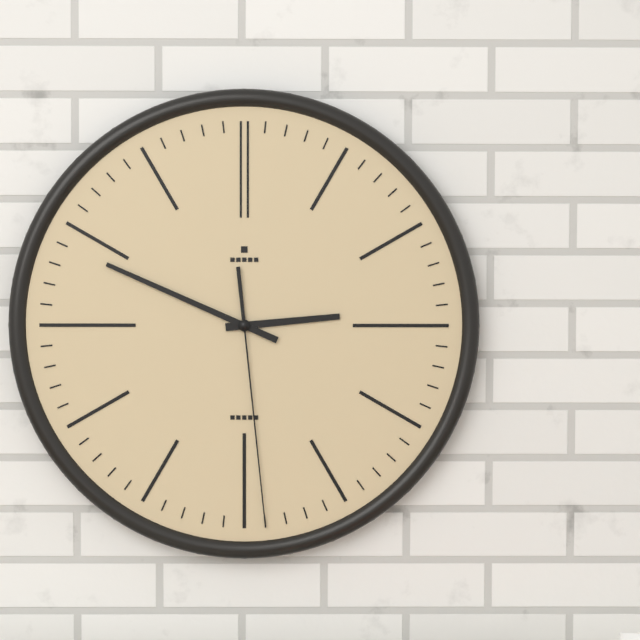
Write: 2:49:29
